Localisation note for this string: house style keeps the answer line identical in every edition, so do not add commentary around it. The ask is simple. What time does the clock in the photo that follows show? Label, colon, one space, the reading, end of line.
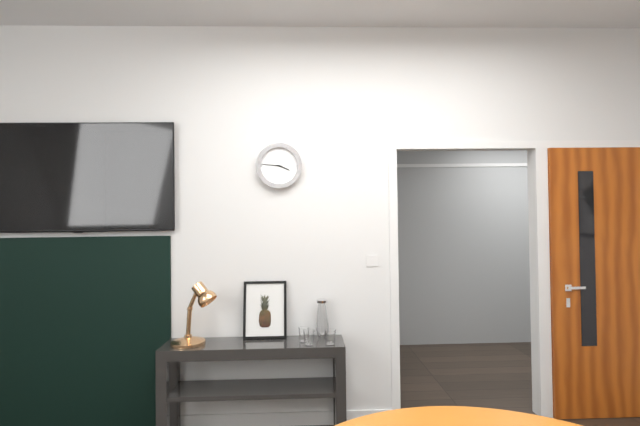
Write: 3:46
